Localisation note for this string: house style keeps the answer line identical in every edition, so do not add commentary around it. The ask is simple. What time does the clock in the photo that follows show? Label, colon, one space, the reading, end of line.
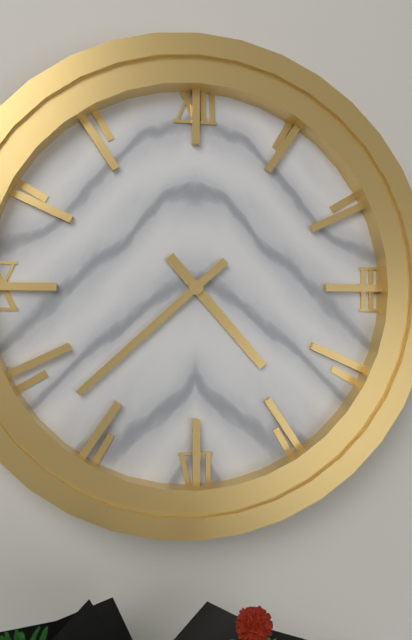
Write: 4:38
